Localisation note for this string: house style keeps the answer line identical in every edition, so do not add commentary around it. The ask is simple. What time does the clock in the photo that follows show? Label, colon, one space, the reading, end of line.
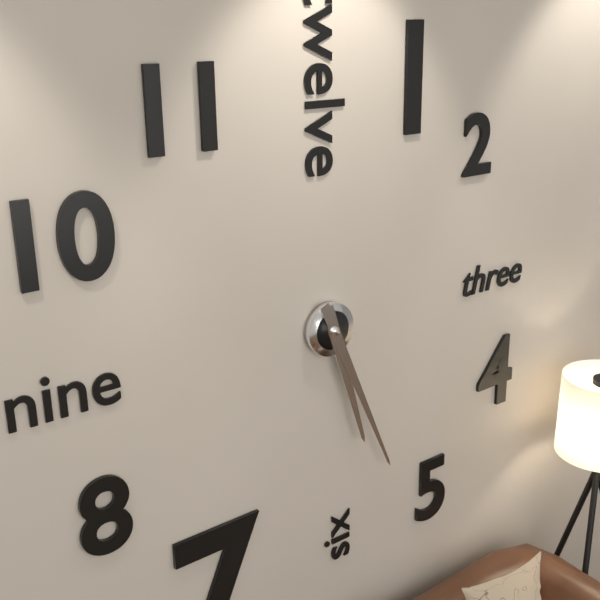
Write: 5:26
